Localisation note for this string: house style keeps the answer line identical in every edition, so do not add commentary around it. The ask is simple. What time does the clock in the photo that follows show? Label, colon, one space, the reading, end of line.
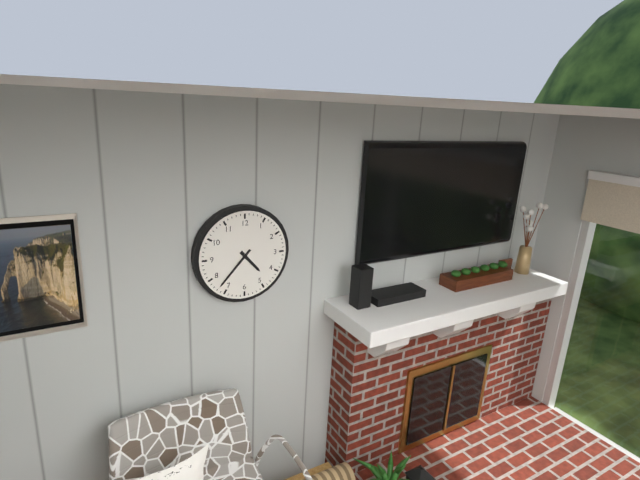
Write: 4:37
